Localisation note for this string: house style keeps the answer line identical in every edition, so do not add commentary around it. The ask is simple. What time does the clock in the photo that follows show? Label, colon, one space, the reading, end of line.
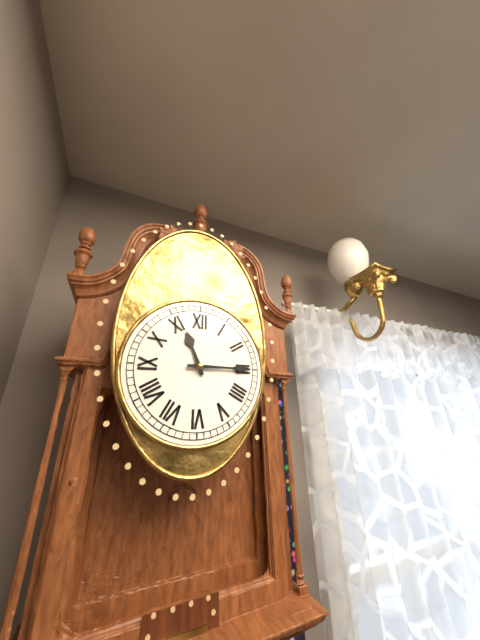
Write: 11:15
